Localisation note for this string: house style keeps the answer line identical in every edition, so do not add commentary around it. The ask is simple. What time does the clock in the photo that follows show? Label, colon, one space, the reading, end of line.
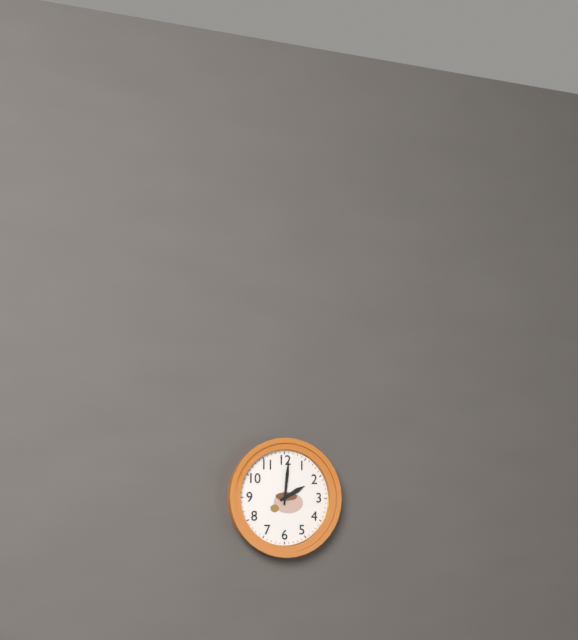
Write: 2:01
